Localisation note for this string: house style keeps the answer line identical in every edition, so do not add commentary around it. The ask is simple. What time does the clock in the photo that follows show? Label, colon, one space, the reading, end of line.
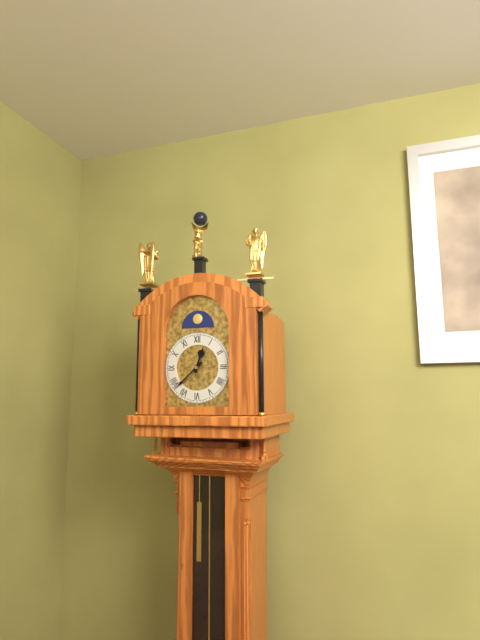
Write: 12:38
